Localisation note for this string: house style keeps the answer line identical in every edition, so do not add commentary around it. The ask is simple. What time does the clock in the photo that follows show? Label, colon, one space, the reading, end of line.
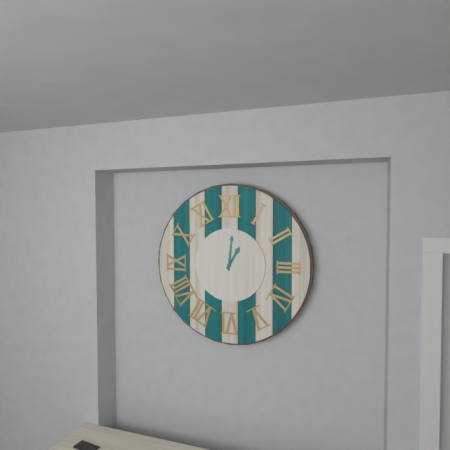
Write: 1:01
